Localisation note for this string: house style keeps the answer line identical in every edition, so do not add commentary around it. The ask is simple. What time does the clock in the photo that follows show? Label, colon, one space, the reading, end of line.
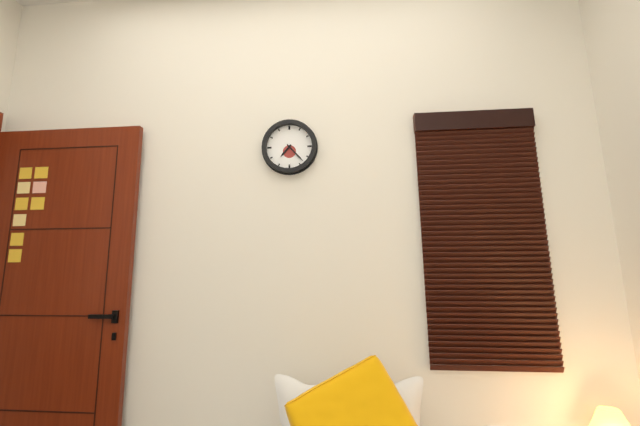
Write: 7:23
